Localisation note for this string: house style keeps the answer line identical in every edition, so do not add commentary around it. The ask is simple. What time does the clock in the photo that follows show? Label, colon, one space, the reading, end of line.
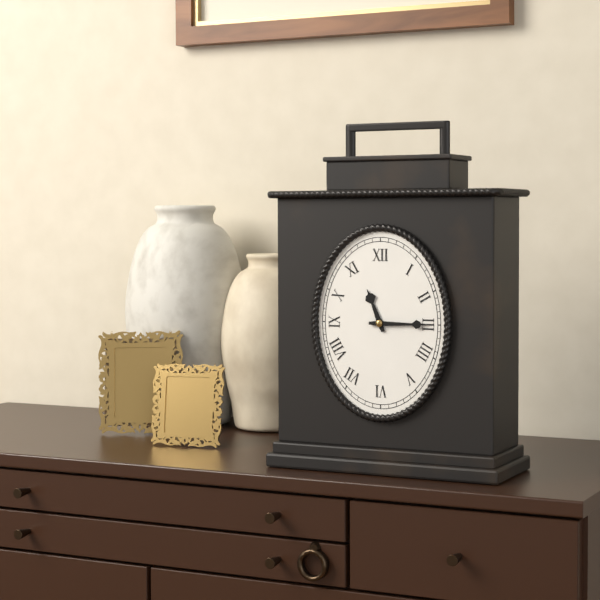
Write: 11:15
